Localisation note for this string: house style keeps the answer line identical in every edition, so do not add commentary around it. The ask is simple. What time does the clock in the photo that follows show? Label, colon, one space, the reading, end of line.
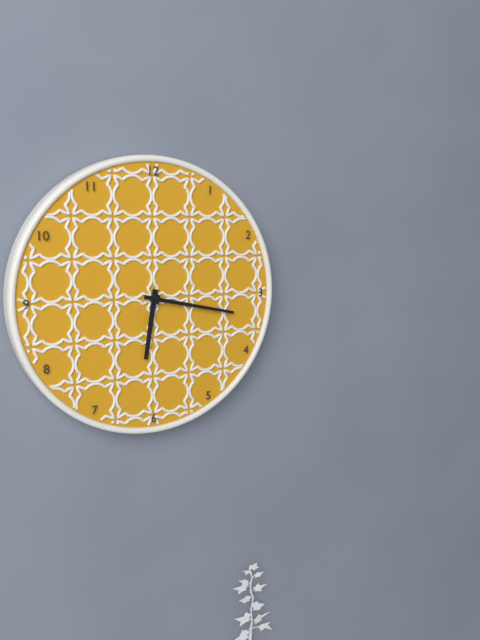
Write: 6:17
